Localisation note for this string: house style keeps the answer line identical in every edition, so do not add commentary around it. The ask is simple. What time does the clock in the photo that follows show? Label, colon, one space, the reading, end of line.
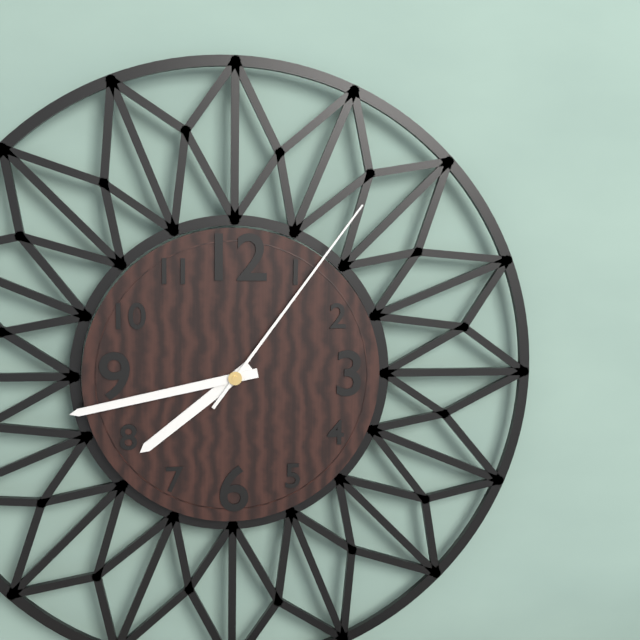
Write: 7:43:06
